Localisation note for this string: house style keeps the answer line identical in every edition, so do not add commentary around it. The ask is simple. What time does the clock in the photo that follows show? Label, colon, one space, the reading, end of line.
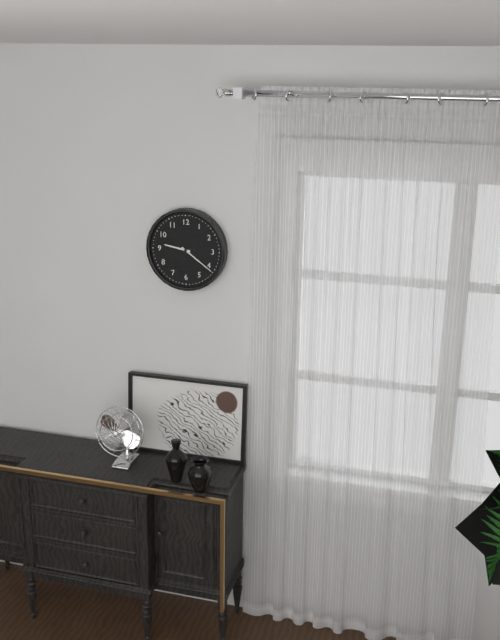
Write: 9:21
